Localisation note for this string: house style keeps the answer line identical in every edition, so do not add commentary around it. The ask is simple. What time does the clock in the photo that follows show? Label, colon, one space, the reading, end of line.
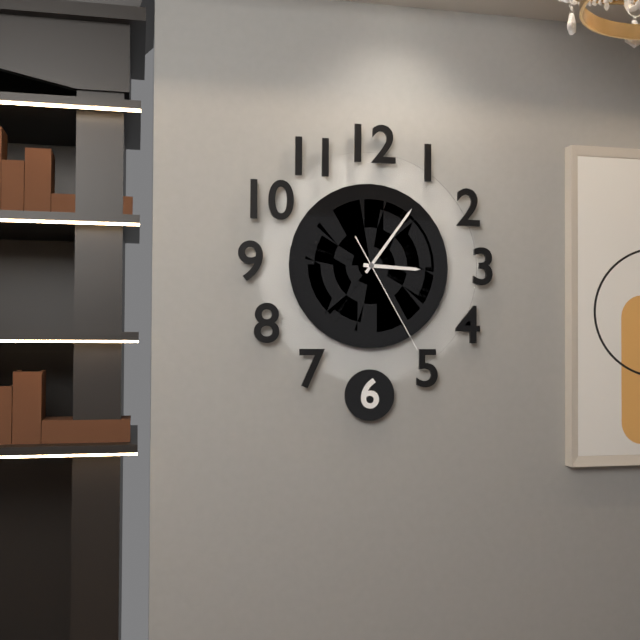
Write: 3:06:25
